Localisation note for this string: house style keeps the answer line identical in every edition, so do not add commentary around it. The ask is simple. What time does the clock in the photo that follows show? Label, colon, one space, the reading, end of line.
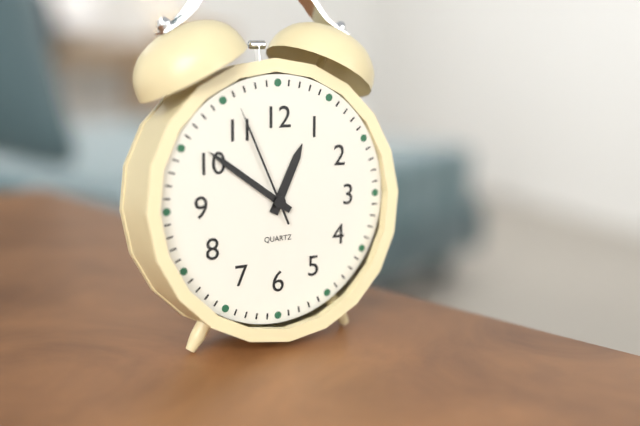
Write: 12:51:56
